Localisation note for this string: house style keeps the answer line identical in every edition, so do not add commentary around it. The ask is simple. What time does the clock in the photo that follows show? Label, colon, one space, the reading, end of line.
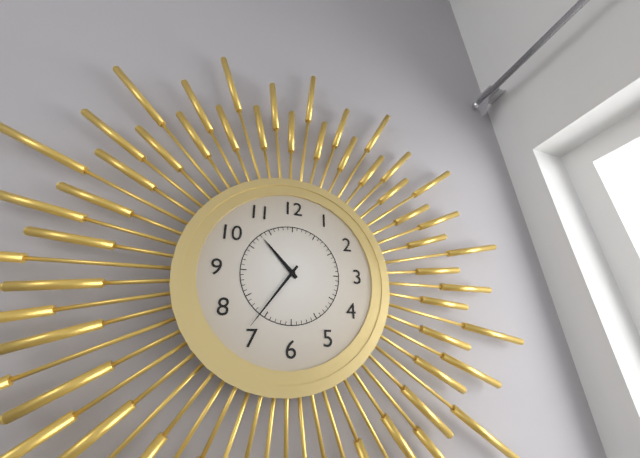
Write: 10:36
